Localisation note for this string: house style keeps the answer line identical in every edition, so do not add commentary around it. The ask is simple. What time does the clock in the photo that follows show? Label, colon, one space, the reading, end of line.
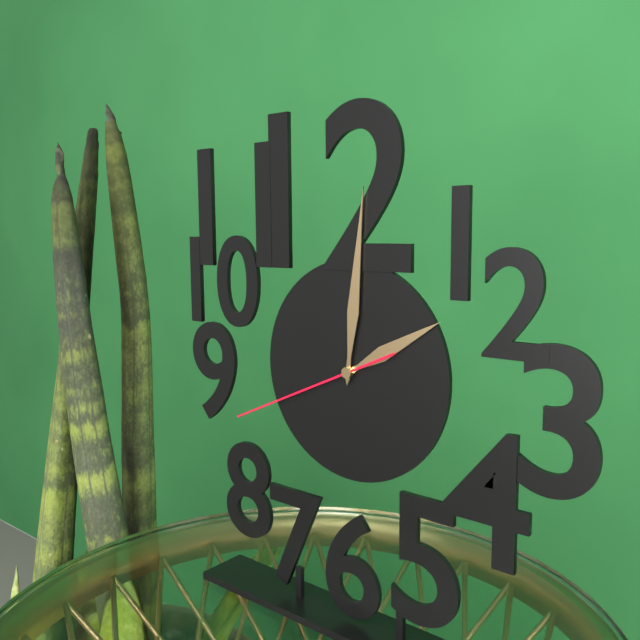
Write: 2:01:41
